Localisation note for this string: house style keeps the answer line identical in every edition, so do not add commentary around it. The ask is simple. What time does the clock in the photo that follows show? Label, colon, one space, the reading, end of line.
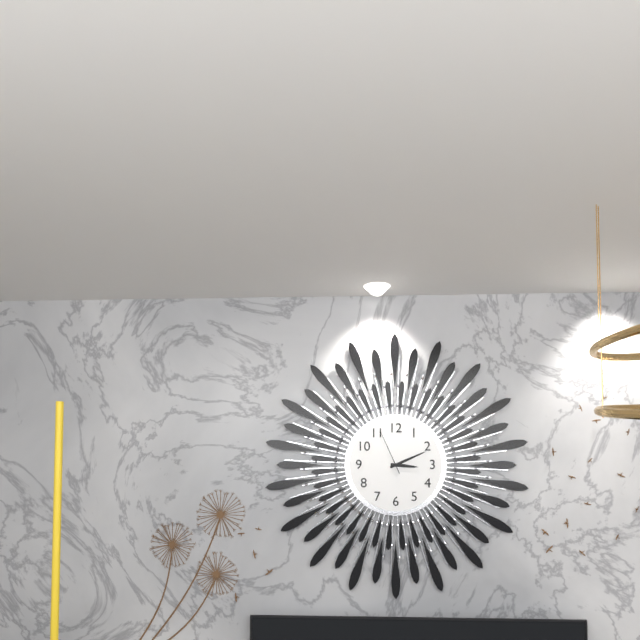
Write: 3:11
